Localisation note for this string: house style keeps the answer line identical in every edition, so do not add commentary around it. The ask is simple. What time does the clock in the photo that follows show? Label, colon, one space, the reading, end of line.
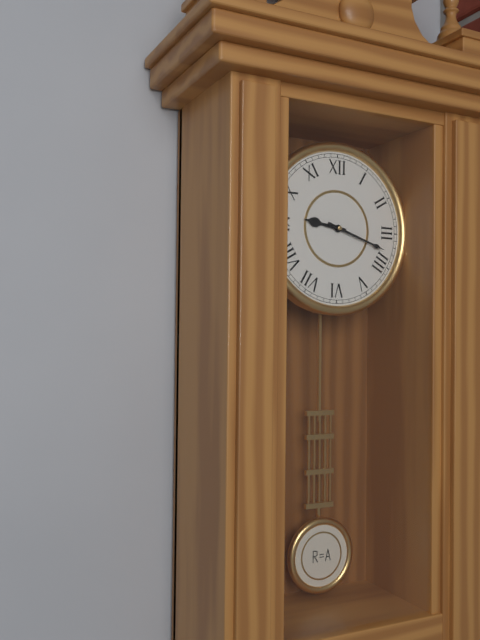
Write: 9:18
